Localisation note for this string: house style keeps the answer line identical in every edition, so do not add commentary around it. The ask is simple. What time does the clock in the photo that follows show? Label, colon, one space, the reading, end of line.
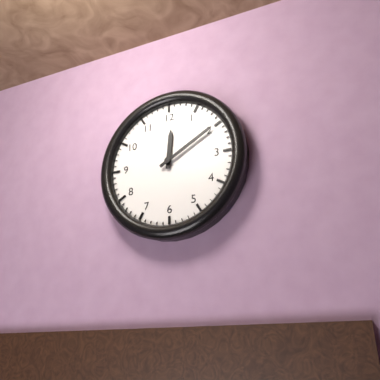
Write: 12:10
